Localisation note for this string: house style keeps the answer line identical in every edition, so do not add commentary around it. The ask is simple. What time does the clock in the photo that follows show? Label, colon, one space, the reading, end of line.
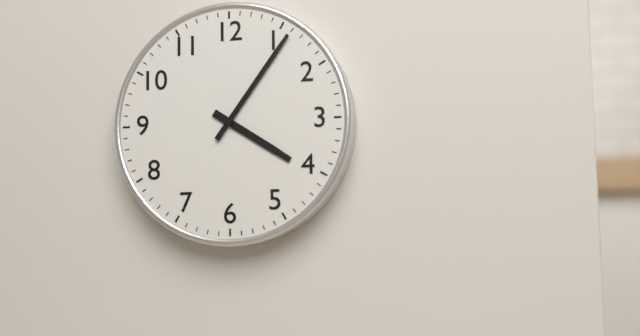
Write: 4:06
